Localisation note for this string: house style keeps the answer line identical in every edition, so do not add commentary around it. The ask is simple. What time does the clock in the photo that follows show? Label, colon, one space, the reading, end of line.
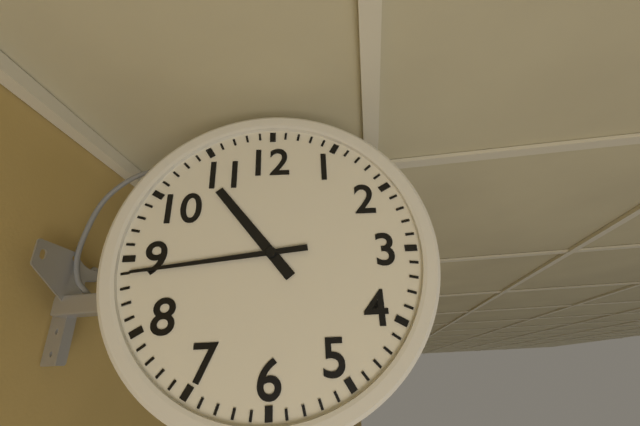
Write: 10:44
